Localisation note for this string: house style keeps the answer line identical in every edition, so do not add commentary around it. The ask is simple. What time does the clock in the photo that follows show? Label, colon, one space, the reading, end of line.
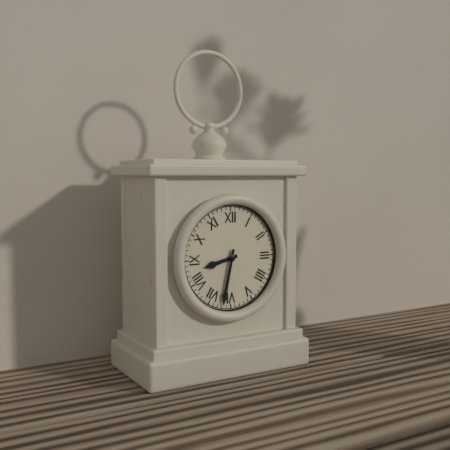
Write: 8:32
